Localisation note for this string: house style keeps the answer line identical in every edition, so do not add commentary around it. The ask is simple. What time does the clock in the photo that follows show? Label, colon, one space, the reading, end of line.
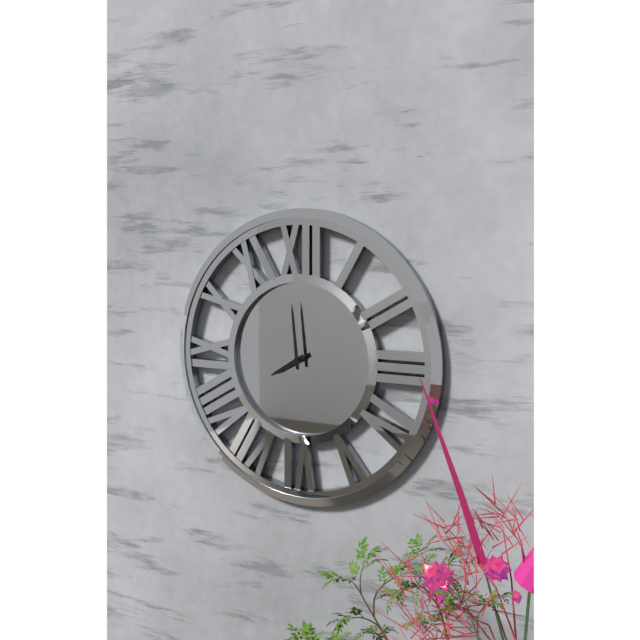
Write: 7:59
